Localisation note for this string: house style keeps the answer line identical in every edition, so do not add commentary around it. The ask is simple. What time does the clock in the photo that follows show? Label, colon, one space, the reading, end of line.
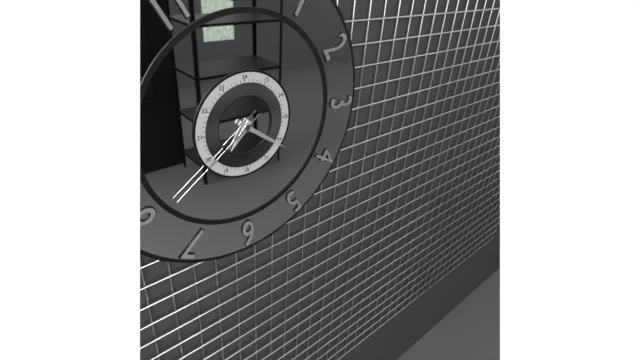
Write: 7:21:39
